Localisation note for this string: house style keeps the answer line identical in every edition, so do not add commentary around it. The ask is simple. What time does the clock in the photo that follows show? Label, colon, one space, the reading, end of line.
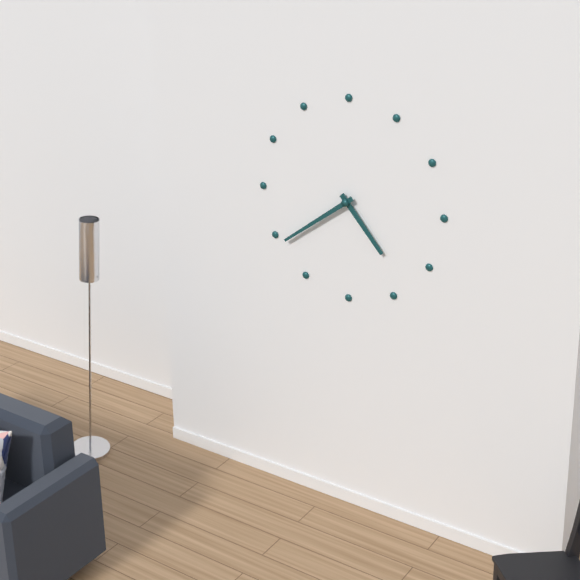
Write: 4:39
